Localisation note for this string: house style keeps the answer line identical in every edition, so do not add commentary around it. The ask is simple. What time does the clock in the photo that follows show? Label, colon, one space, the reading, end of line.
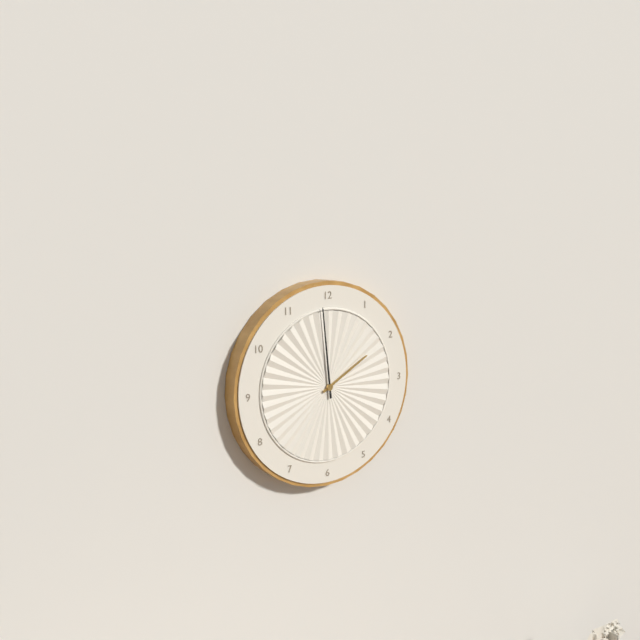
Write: 1:59
